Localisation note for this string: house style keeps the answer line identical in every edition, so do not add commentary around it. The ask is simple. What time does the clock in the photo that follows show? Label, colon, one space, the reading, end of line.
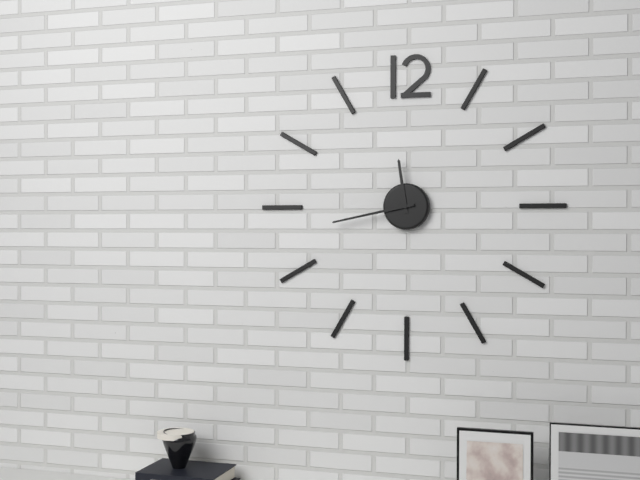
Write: 11:43
